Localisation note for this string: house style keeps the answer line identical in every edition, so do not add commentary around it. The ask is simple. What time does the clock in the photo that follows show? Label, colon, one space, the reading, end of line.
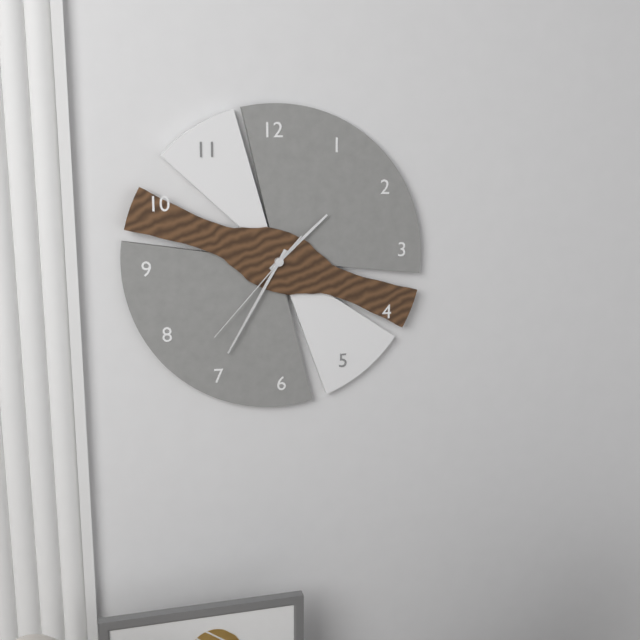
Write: 1:35:37
